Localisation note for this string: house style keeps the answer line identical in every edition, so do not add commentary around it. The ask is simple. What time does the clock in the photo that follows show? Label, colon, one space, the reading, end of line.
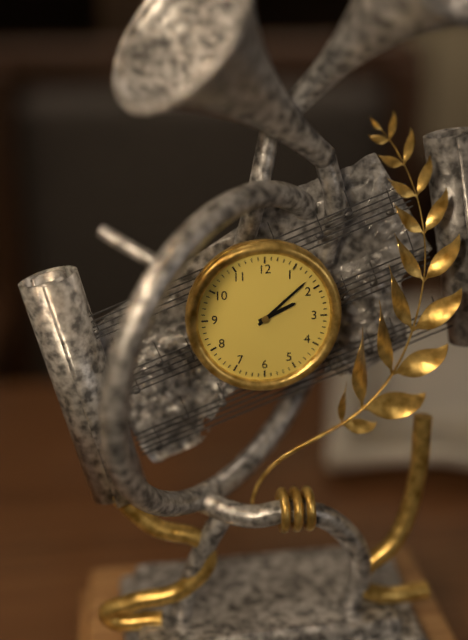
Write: 2:08
